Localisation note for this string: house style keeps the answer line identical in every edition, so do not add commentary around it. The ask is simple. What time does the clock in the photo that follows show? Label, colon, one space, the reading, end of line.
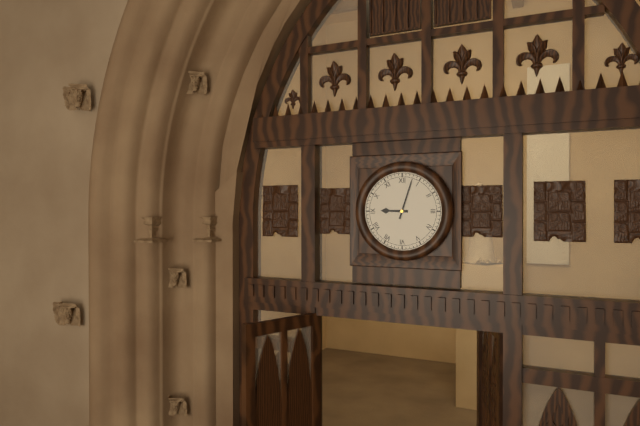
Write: 9:03
